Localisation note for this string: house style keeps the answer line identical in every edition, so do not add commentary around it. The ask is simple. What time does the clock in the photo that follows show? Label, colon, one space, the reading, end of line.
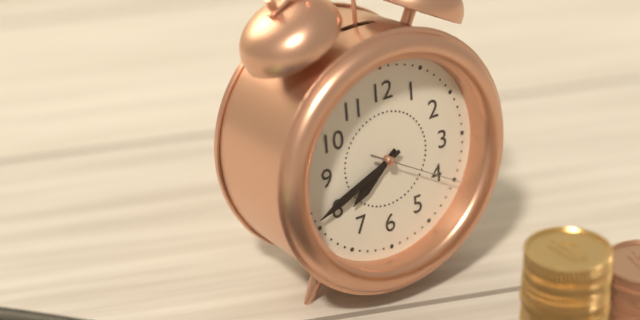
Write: 7:41:20
